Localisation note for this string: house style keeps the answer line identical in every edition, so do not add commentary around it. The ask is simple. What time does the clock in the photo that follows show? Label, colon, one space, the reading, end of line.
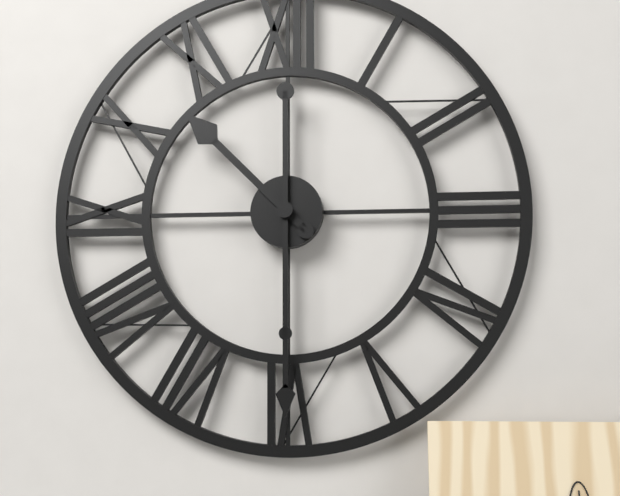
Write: 10:30
